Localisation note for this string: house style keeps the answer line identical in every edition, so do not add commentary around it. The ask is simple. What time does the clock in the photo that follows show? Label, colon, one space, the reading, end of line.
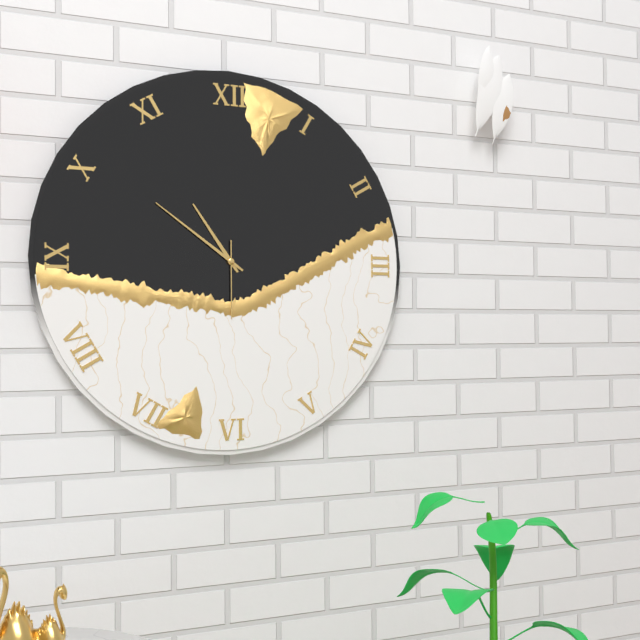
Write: 10:51:30
